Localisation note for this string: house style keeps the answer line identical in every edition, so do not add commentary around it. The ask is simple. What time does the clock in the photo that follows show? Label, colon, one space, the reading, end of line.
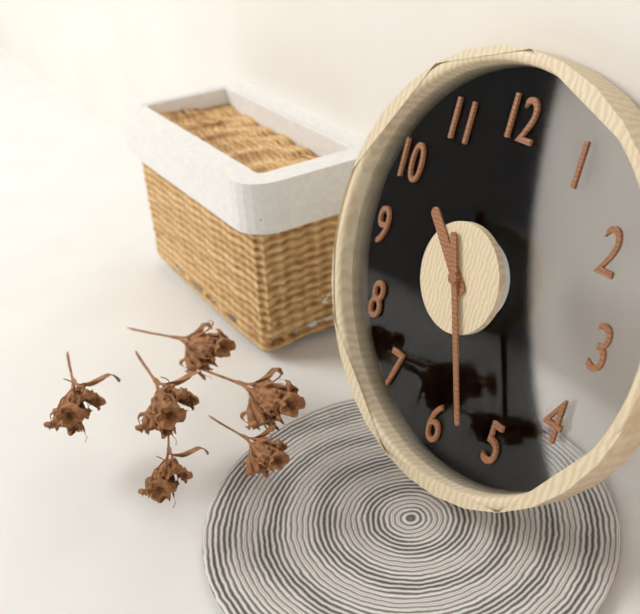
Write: 10:26
